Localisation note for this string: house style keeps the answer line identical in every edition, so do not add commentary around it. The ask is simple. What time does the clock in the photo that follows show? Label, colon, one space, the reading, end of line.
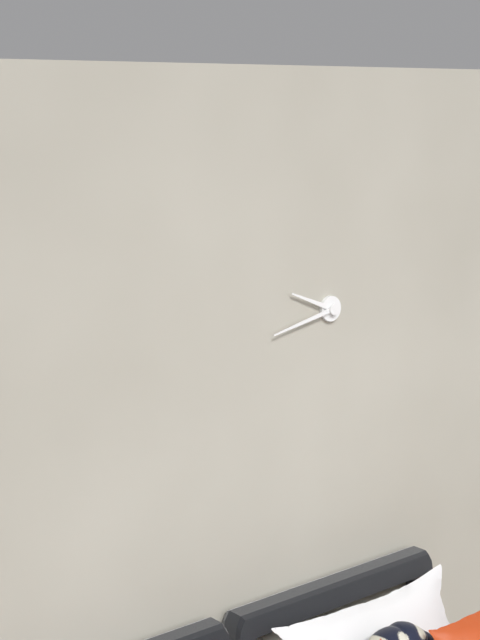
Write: 9:43
